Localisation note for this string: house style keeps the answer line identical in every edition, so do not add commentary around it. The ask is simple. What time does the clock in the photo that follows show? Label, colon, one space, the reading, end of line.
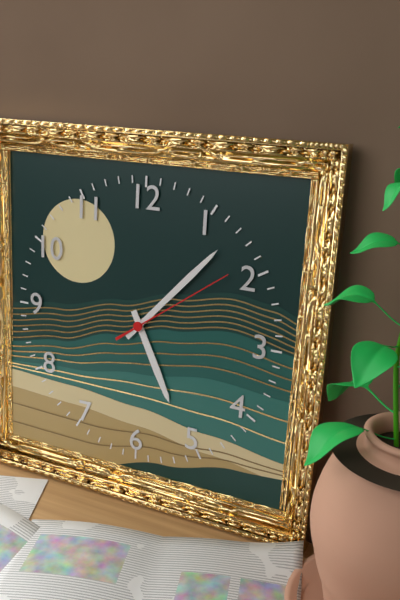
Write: 5:07:09
